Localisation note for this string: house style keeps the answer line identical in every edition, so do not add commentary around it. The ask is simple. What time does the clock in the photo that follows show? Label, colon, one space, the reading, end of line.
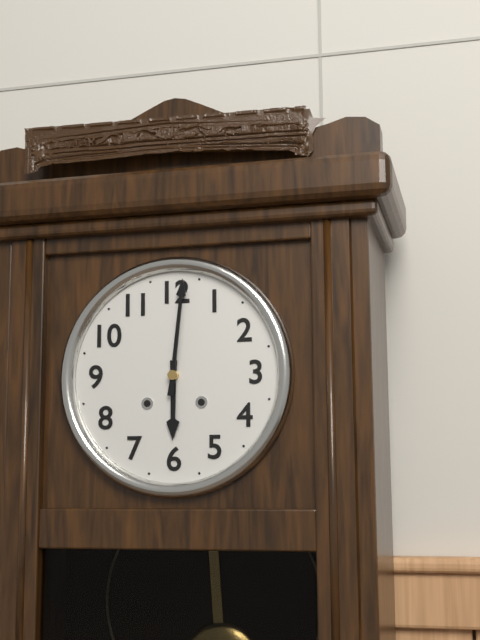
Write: 6:01
